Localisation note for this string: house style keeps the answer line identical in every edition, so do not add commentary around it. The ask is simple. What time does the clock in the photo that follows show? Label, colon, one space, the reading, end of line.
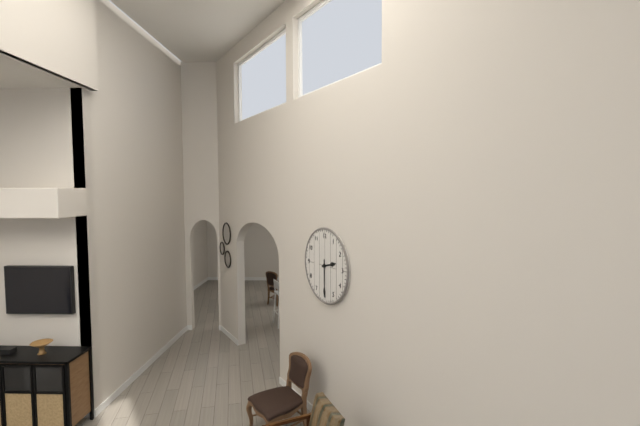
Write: 2:30
